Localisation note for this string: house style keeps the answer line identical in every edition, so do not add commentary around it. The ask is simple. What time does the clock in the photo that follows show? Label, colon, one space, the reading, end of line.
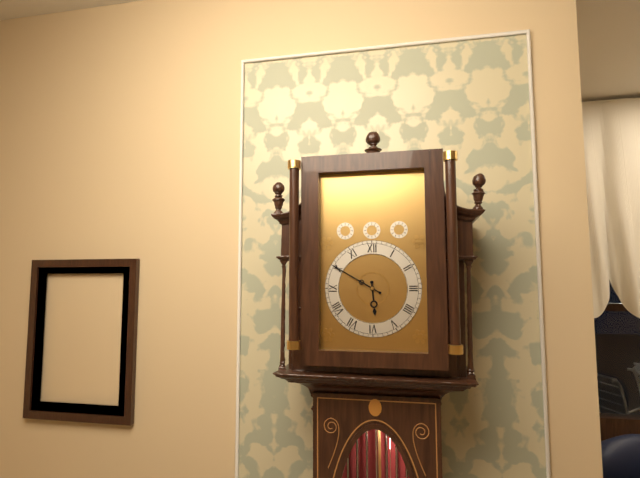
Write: 5:50
